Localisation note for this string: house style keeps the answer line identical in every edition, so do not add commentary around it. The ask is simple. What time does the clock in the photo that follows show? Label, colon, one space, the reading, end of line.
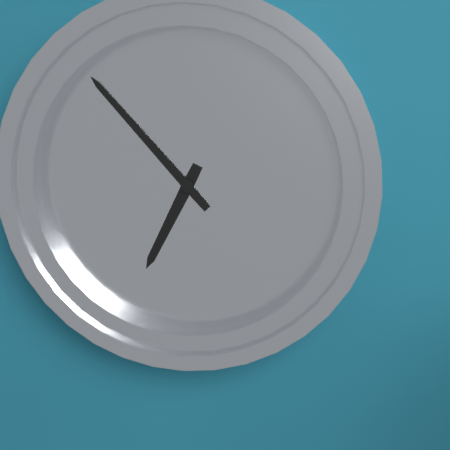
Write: 6:53
